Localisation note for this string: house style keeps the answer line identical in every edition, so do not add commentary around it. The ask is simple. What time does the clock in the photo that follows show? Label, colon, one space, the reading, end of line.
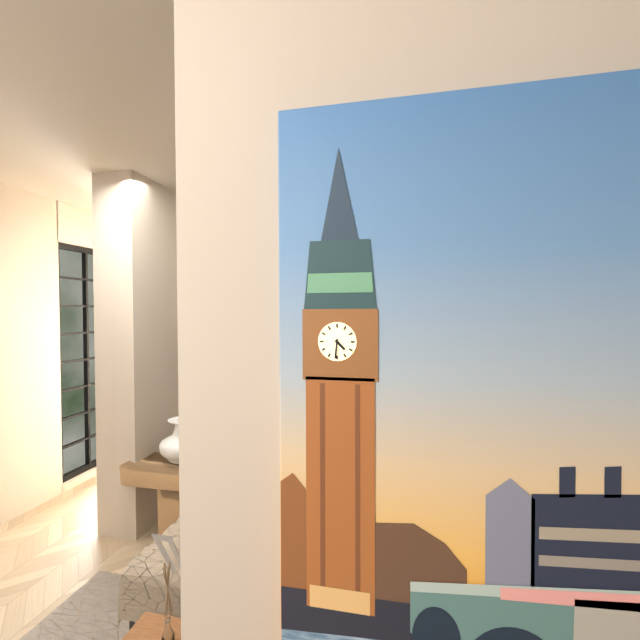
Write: 4:31
